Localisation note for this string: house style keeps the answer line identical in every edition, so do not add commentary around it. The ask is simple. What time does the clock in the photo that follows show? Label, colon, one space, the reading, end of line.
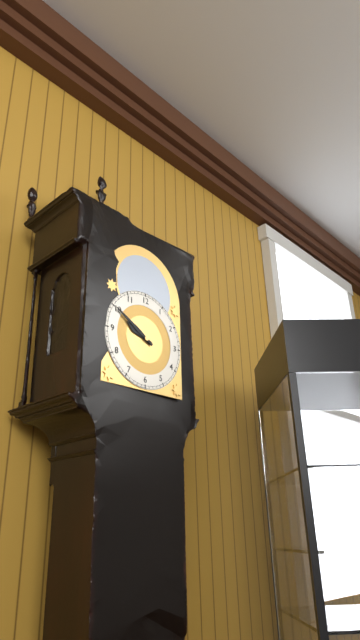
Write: 9:50
